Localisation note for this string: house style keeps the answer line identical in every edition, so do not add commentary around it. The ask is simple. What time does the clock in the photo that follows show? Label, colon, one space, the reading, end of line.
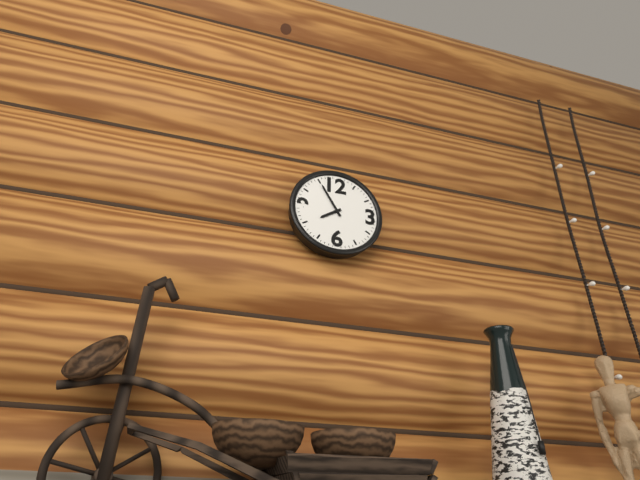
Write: 7:55
